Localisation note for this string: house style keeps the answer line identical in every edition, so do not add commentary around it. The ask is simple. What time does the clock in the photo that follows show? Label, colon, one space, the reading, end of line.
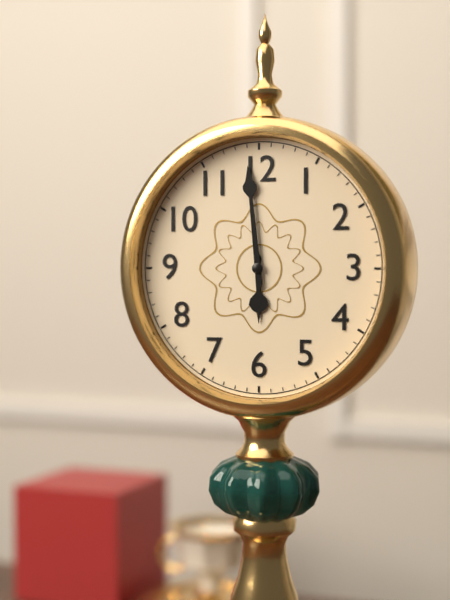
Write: 5:59
